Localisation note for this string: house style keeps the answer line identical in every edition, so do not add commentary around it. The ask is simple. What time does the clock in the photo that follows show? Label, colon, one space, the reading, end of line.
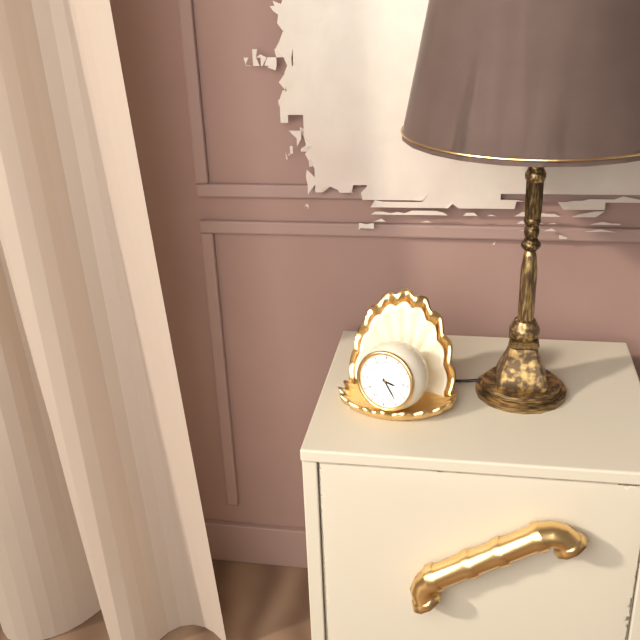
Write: 3:24
